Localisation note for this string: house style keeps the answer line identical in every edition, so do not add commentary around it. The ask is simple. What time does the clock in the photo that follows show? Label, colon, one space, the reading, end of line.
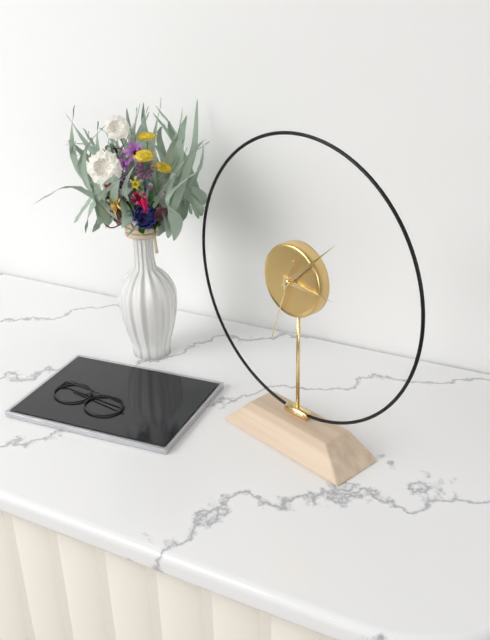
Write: 3:08:33
